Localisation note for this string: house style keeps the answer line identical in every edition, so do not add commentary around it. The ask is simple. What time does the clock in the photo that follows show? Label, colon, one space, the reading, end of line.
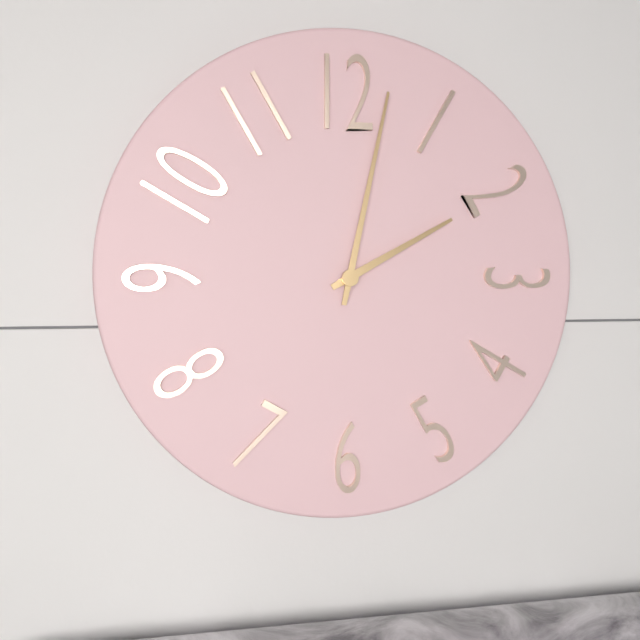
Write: 2:02
